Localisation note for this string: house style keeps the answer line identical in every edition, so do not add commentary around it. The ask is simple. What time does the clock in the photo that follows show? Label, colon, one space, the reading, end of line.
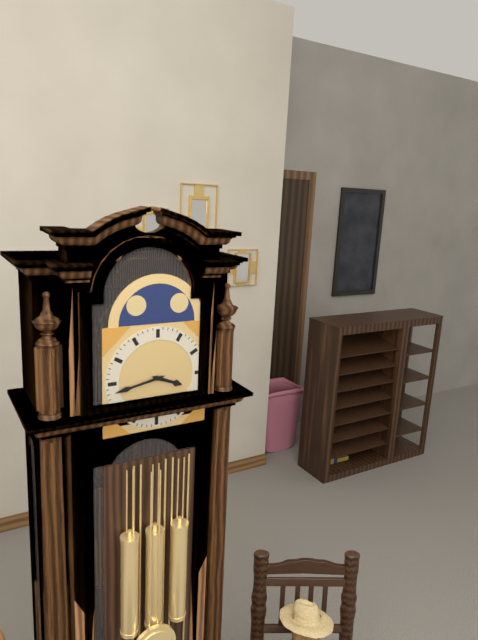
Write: 3:43
